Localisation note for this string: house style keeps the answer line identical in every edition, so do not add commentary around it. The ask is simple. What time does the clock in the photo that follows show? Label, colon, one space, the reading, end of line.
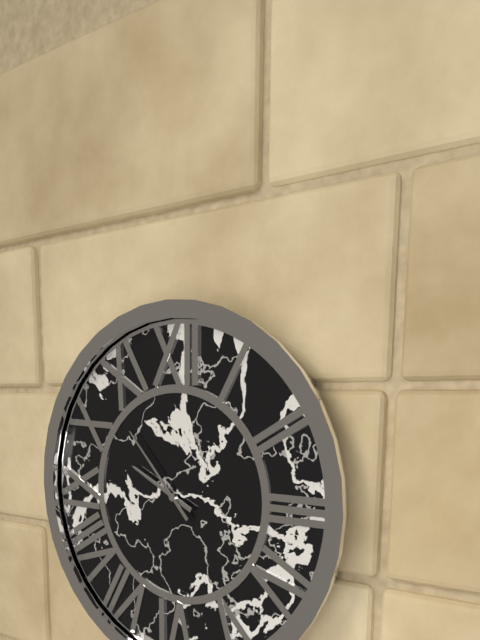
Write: 9:53
